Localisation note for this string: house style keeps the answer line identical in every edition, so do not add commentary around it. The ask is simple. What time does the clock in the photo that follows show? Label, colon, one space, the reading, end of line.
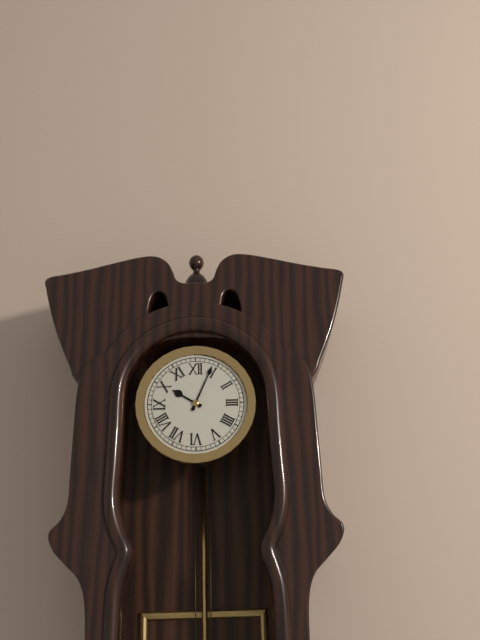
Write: 10:04
